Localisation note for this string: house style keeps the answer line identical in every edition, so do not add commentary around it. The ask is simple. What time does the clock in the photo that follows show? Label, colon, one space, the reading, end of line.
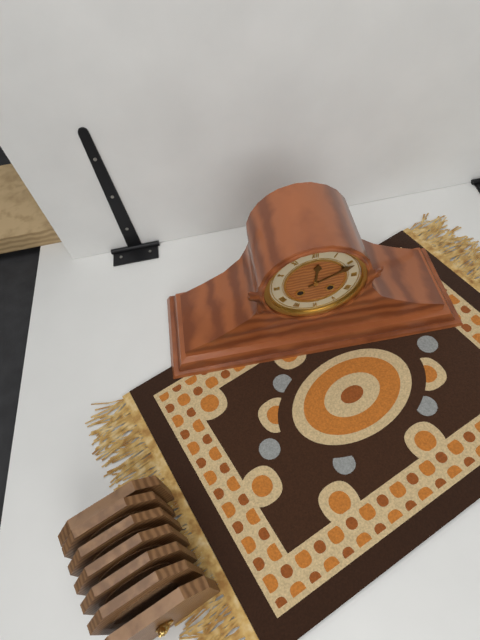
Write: 12:11
